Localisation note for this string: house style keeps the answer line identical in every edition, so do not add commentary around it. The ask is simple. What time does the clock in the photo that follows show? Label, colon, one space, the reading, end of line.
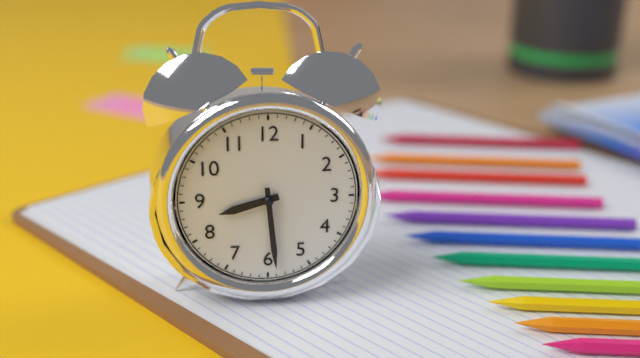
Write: 8:29
